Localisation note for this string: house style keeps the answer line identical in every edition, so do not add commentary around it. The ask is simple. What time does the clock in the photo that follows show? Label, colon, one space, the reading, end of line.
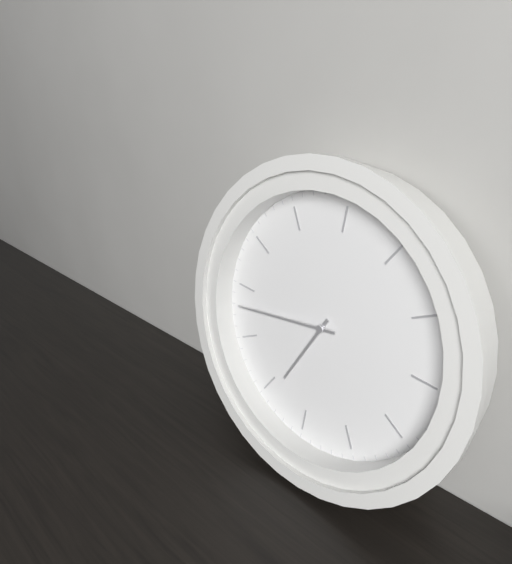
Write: 7:48
